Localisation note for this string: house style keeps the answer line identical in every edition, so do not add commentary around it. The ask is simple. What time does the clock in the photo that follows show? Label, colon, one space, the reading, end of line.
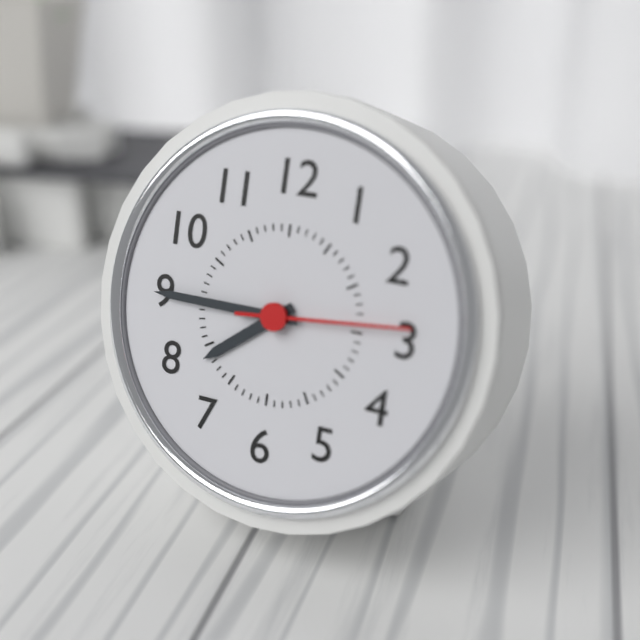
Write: 7:45:14
